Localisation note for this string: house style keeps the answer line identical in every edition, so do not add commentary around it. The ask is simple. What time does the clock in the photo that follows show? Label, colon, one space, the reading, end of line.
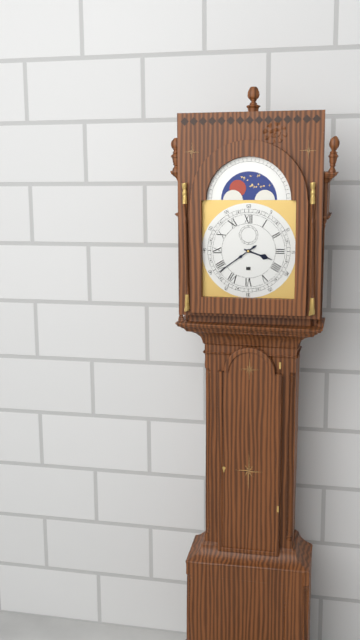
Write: 3:39
